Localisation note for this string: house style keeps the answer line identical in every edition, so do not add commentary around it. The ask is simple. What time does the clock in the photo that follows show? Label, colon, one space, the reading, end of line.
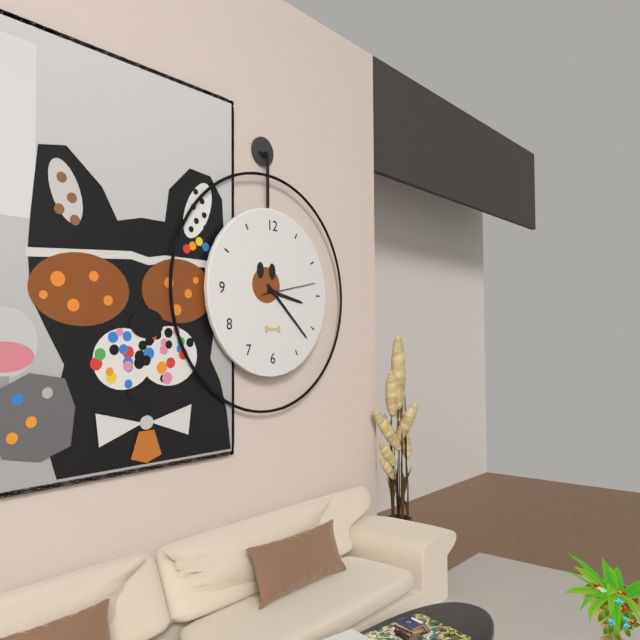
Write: 3:22:13
